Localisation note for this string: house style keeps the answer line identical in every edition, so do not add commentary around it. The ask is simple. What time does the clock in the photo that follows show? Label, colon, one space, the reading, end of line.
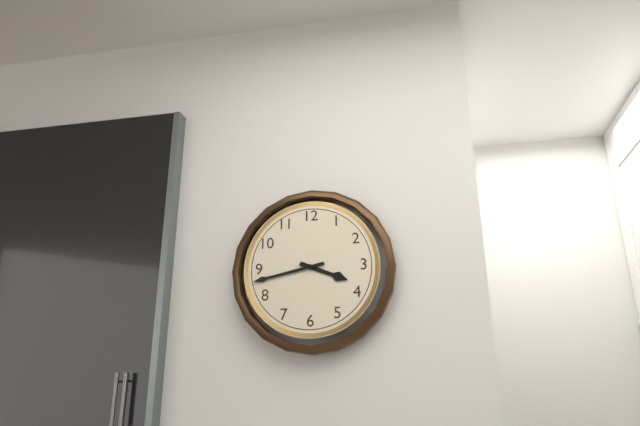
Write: 3:43
